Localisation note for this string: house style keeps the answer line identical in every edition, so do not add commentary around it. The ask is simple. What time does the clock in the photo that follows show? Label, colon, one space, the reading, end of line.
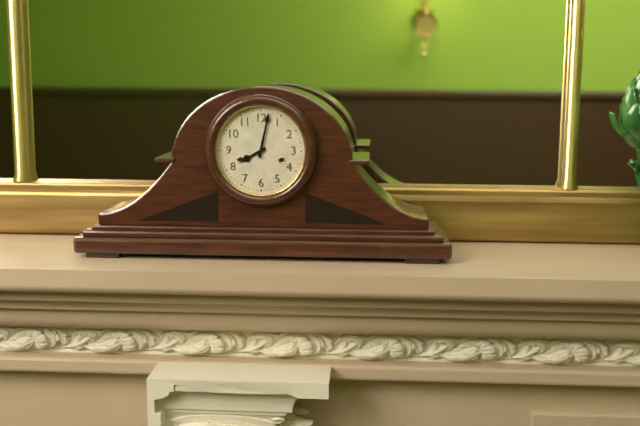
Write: 8:02
